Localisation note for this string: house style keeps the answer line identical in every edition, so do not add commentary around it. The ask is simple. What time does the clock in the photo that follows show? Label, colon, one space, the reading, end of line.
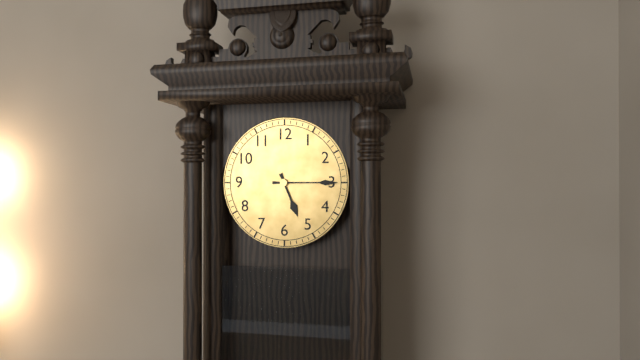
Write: 5:15
